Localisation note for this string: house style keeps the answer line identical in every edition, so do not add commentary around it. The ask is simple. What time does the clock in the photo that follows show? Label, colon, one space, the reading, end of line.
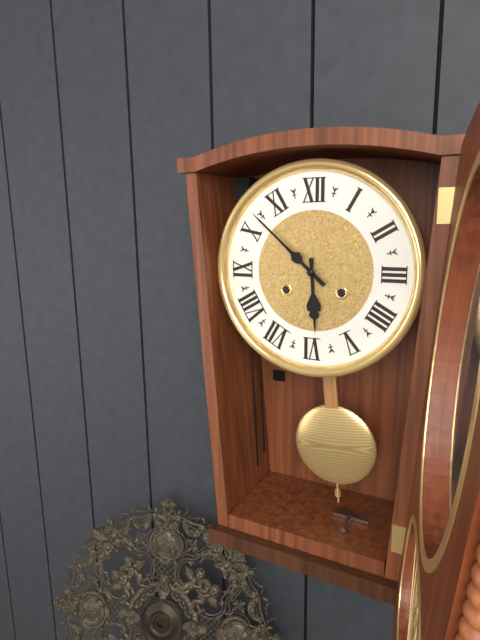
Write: 5:52
